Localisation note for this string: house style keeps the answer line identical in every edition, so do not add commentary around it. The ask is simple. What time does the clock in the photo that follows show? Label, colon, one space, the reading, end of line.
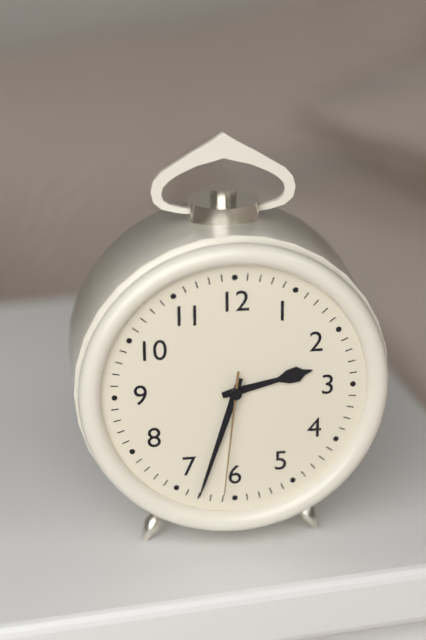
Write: 2:33:31
